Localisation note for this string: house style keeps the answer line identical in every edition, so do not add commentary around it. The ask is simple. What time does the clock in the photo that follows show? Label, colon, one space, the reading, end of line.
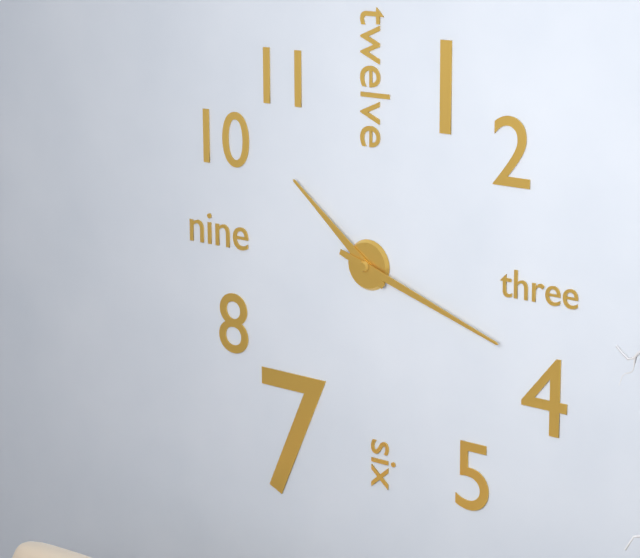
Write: 10:18
